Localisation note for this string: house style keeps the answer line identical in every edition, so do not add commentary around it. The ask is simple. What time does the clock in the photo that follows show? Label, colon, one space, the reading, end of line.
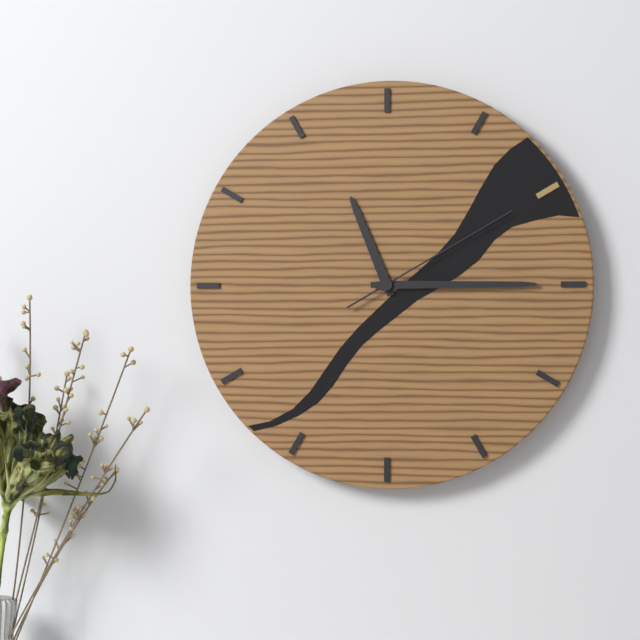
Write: 11:15:10
